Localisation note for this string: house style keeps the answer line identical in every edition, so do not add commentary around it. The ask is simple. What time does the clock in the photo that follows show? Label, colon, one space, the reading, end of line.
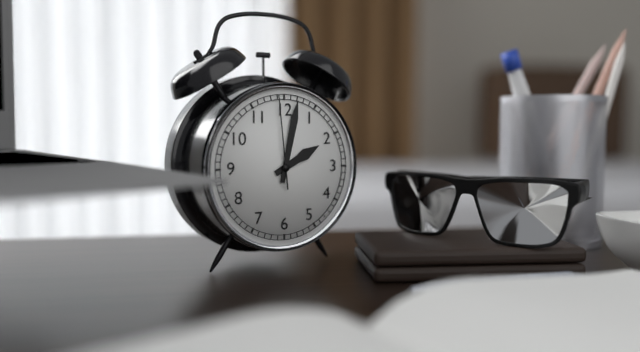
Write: 2:02:59
